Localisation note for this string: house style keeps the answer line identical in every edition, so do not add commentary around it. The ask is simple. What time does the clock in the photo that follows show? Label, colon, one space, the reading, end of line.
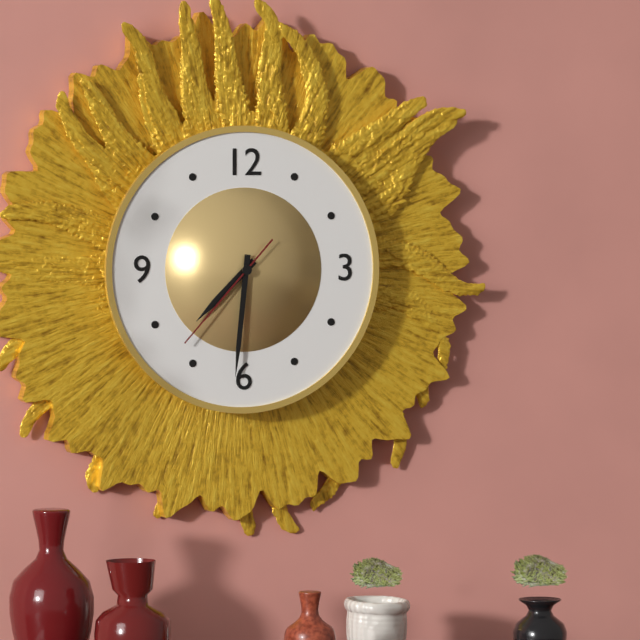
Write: 7:31:37
